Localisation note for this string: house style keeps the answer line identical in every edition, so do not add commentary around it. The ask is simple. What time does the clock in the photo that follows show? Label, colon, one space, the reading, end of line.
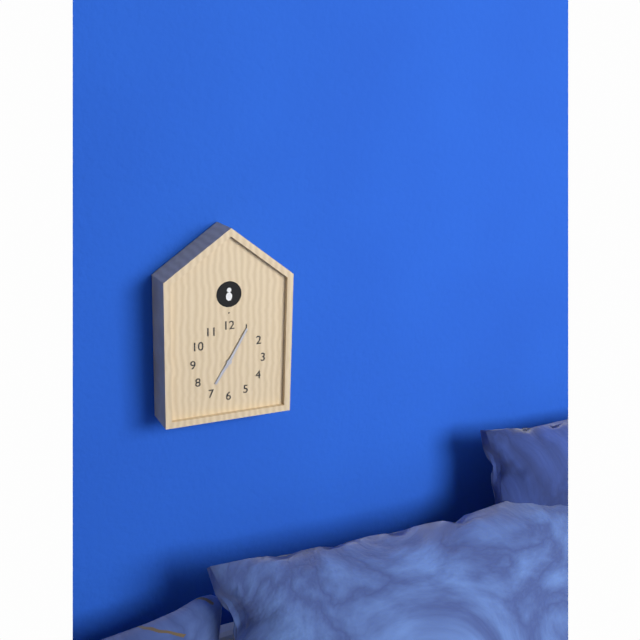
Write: 7:05
